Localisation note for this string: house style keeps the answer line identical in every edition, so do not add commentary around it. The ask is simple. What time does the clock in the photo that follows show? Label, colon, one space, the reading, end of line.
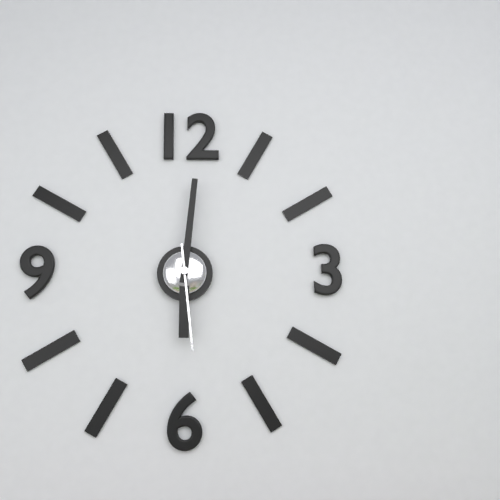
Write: 6:01:29
